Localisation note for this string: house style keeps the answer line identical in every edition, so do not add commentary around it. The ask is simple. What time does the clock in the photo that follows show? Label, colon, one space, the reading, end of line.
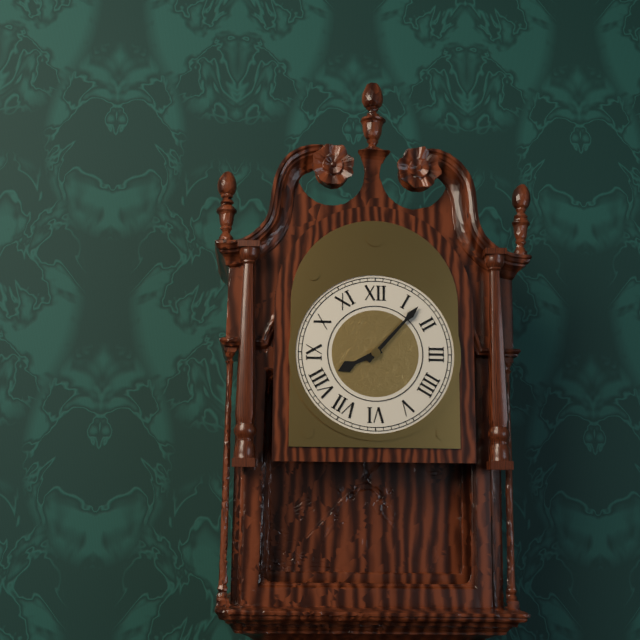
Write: 8:07
